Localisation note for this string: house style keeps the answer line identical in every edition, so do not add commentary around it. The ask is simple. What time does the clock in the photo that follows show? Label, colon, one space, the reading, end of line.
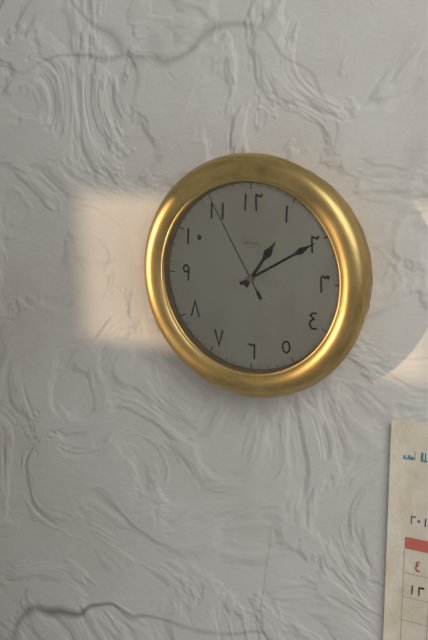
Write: 1:10:55
